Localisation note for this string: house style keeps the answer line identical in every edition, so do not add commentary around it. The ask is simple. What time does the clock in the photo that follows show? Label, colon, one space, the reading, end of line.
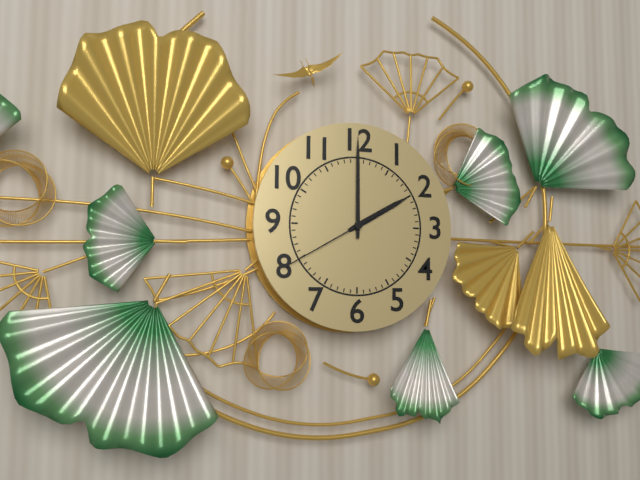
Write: 2:00:40
